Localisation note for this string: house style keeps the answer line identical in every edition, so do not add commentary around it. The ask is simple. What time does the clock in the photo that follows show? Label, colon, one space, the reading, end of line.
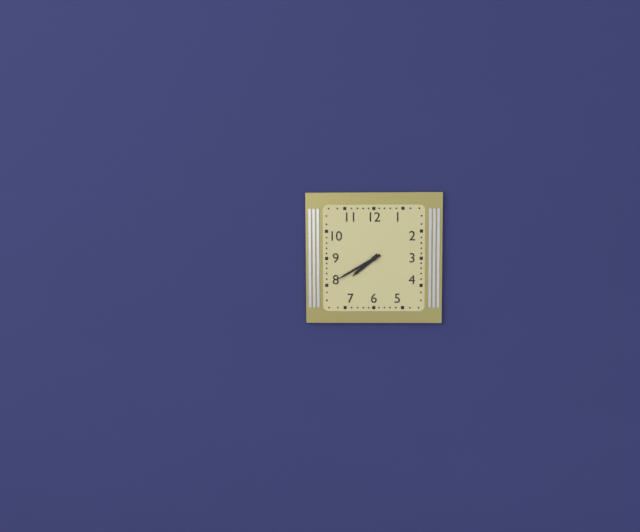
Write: 7:40
